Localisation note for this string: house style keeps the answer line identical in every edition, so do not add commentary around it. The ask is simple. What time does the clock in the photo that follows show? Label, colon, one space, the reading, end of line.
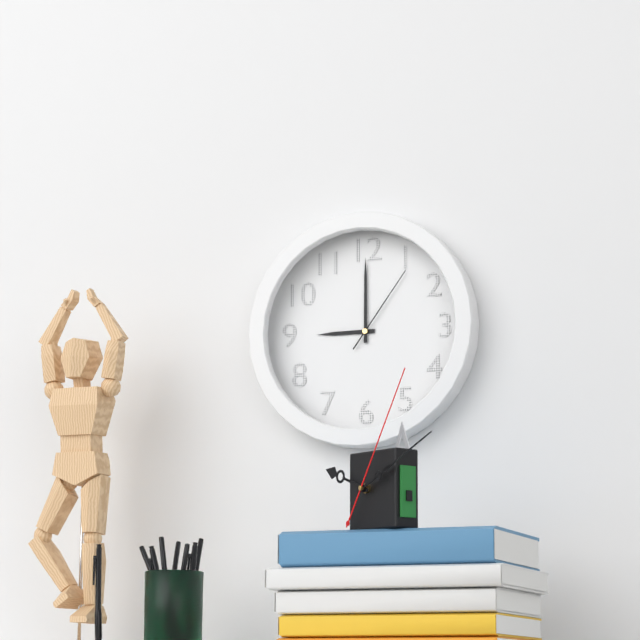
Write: 9:00:06
